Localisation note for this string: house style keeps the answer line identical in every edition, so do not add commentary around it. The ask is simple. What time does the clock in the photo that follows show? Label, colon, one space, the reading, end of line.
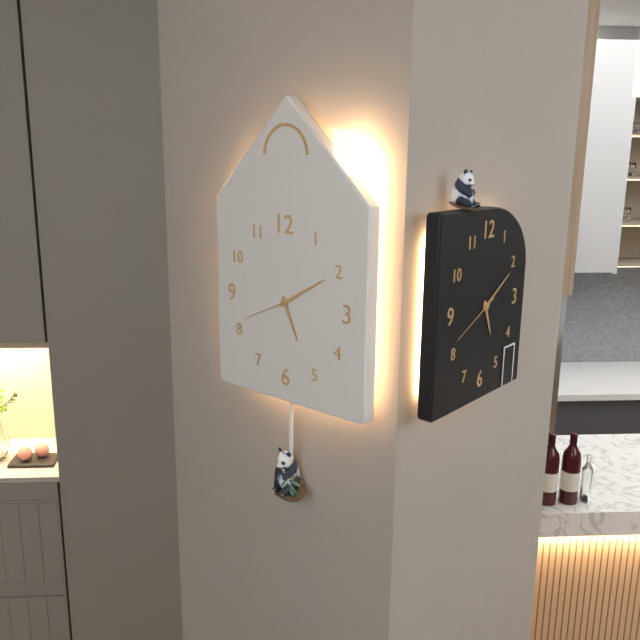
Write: 5:10:41
